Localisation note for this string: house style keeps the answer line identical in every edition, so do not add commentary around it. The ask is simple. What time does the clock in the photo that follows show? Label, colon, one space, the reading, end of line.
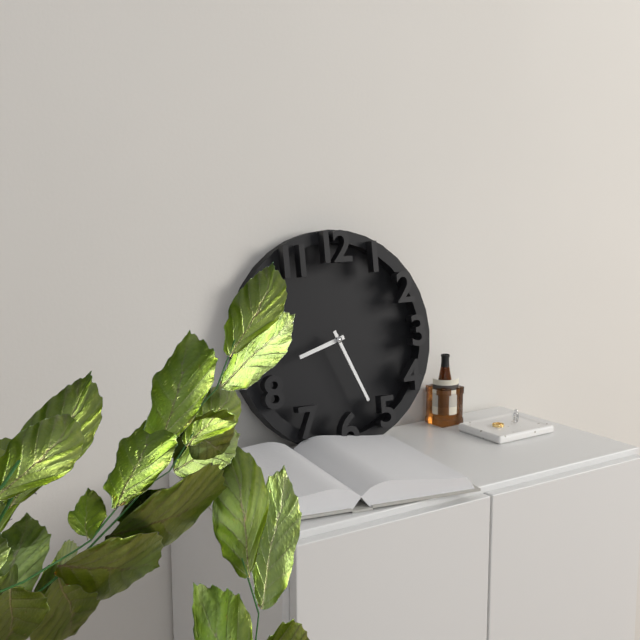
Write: 8:26
